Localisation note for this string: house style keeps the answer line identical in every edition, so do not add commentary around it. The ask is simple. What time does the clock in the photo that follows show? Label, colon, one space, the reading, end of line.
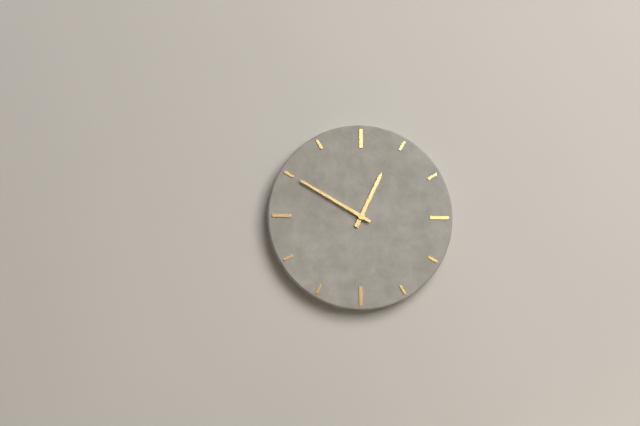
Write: 12:50
